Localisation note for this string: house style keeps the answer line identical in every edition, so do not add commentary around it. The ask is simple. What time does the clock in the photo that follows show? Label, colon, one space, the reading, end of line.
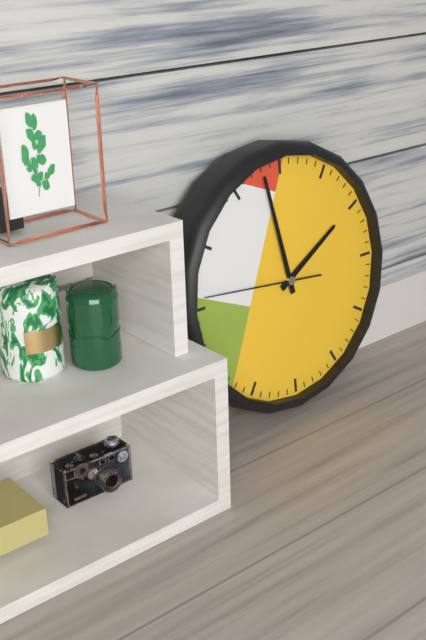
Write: 1:58:46
